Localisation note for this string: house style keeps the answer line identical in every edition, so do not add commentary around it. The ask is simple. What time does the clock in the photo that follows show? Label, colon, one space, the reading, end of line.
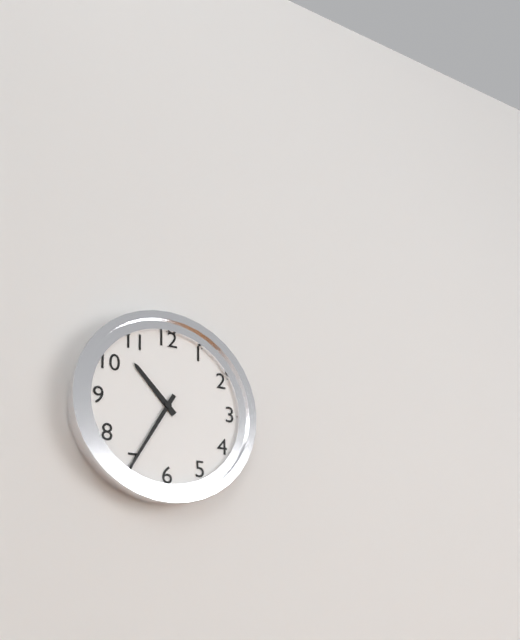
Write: 10:35
